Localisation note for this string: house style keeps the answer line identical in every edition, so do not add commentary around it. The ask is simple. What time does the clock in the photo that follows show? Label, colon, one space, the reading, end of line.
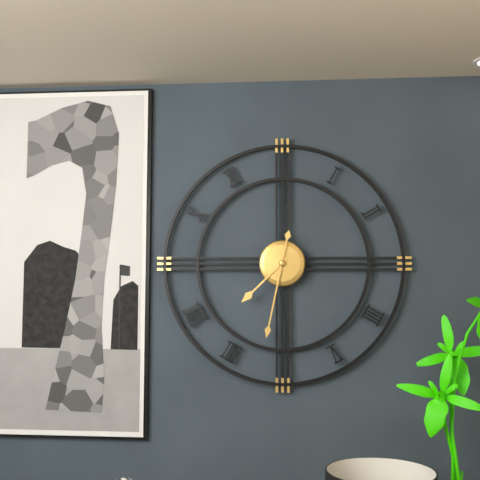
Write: 7:32
